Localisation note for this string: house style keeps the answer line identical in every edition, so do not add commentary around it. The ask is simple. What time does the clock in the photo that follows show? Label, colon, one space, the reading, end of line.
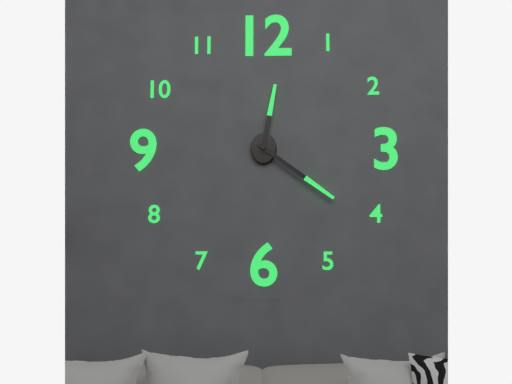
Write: 12:21
